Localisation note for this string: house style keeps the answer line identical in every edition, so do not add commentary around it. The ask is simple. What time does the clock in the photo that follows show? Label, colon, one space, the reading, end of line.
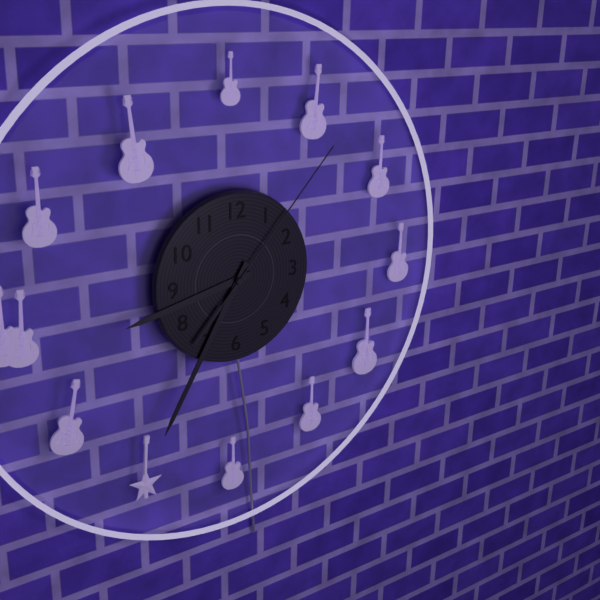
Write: 8:35:07
